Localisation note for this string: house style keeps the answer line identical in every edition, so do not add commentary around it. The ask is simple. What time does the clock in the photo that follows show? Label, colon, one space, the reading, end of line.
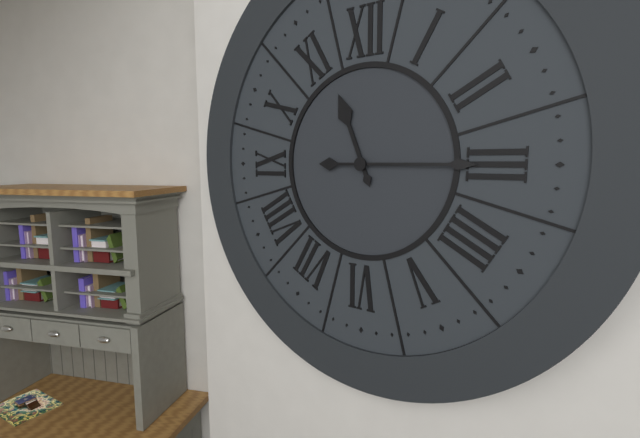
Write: 11:15
